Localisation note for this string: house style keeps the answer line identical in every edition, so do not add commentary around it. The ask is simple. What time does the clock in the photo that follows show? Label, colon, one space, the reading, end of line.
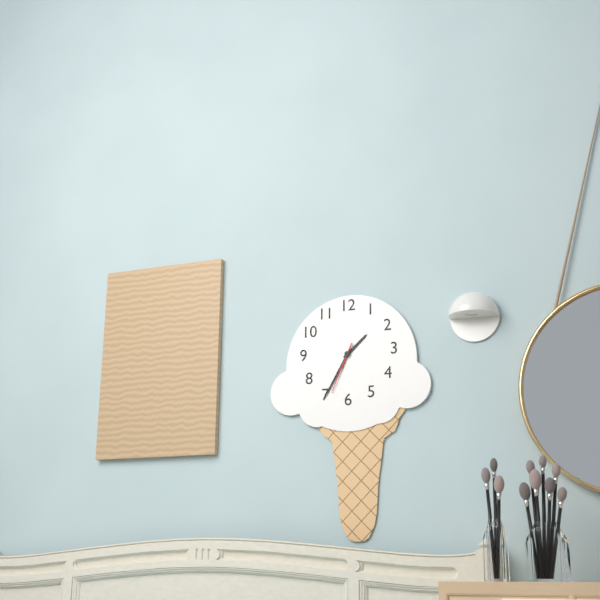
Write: 1:35:34
